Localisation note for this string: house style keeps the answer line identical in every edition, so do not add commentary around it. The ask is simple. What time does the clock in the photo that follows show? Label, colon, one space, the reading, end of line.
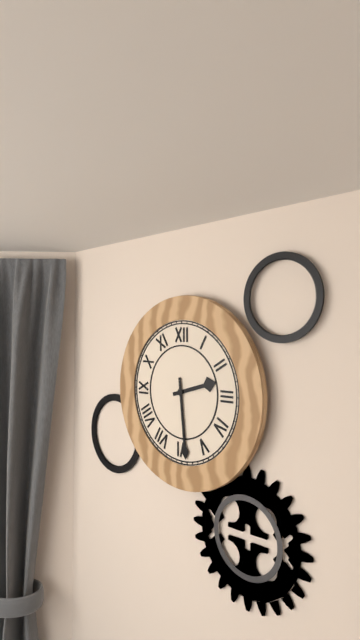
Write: 2:29
